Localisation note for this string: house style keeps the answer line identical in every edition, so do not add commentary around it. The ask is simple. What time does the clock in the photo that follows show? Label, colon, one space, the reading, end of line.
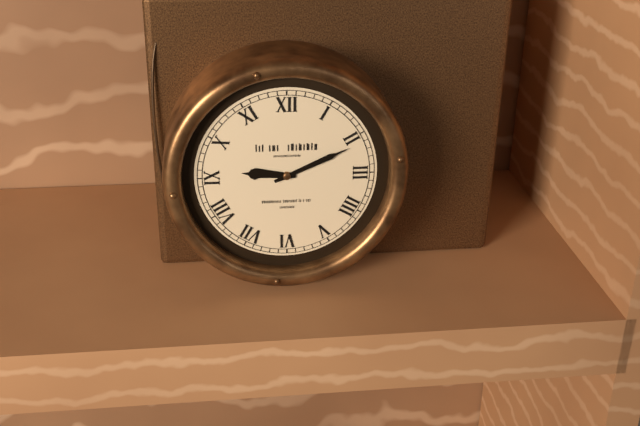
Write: 9:11
